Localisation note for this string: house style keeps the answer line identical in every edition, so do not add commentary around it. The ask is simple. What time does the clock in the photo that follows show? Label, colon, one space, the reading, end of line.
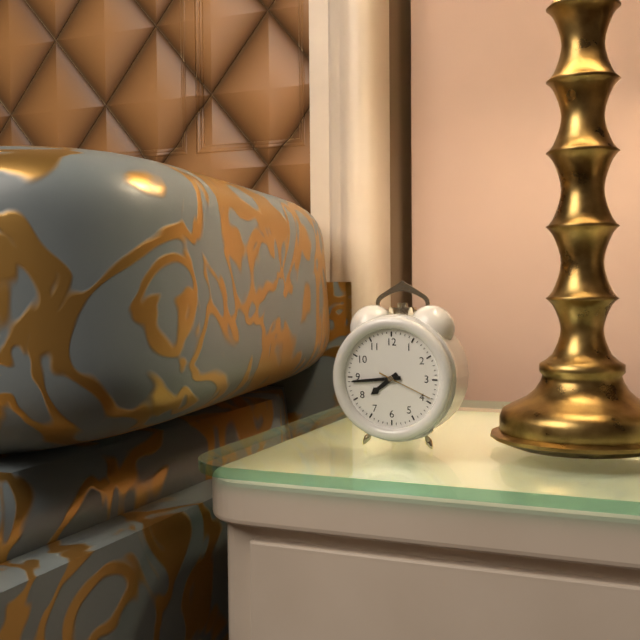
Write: 7:44:19
